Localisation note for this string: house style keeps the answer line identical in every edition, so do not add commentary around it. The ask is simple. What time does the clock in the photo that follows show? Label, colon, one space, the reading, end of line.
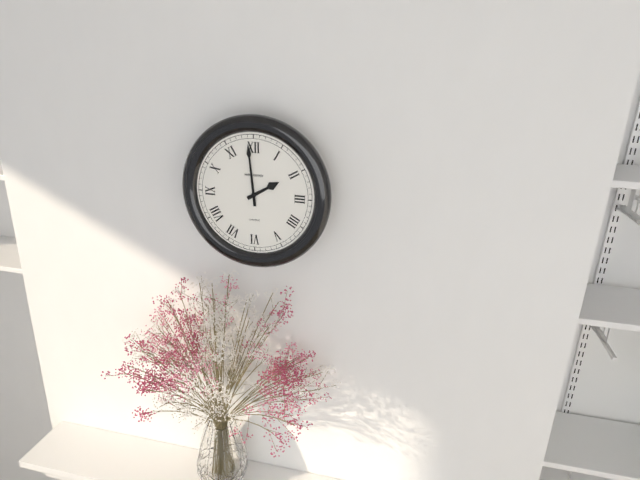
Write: 1:59
